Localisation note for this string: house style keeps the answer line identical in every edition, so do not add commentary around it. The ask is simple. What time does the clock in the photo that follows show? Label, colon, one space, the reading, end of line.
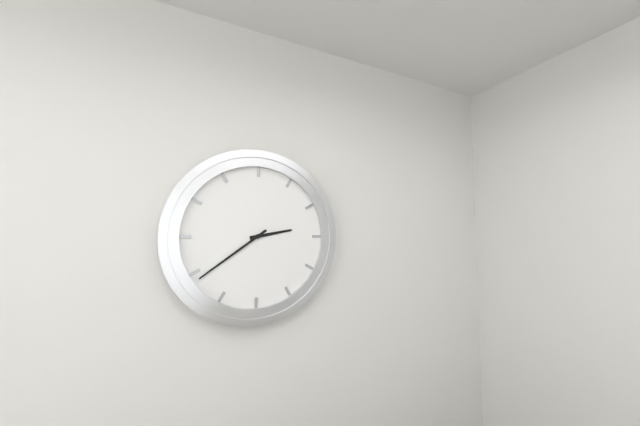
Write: 2:39
